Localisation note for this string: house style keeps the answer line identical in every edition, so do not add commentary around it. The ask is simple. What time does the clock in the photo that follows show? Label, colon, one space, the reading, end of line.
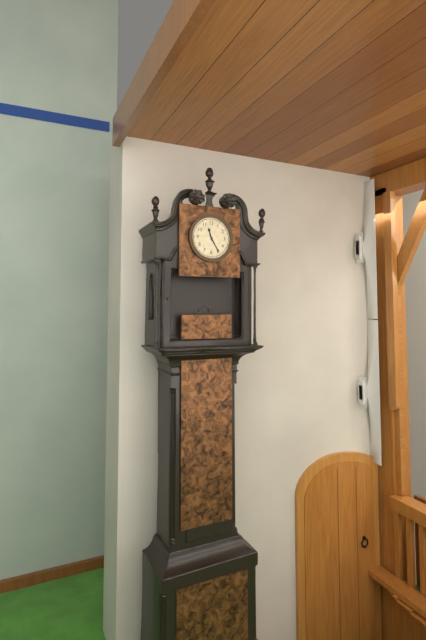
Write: 11:25
